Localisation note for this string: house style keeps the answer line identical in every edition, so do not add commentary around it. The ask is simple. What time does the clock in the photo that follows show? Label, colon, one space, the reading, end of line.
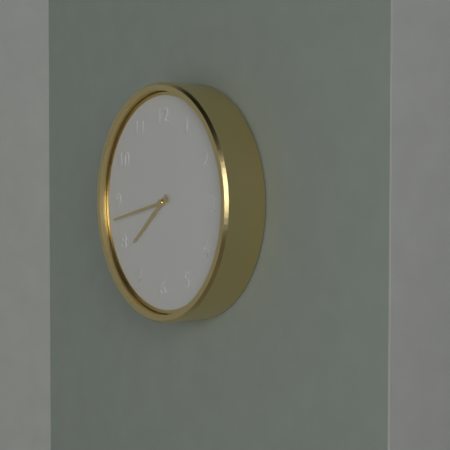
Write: 7:43
